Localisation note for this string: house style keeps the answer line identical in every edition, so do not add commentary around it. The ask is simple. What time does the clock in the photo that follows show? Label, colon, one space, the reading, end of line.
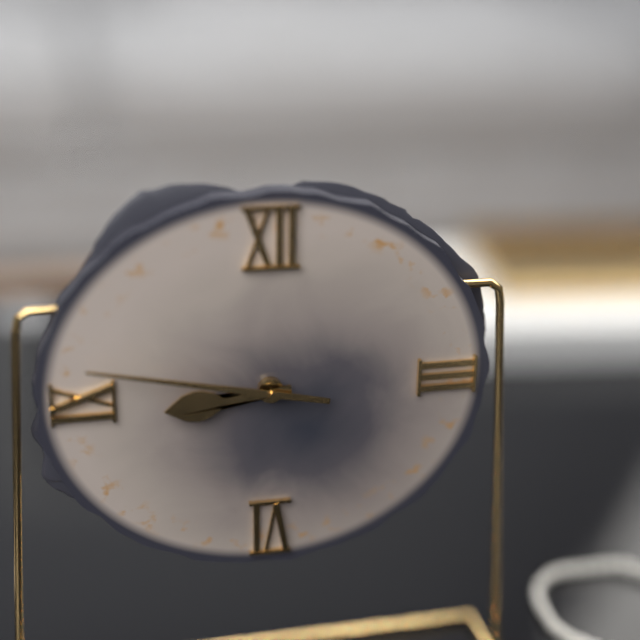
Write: 8:47
